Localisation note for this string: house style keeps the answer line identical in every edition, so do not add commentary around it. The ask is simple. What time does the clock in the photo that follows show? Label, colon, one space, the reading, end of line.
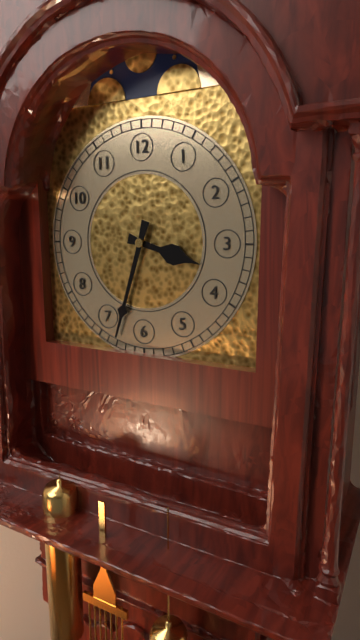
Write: 3:33
